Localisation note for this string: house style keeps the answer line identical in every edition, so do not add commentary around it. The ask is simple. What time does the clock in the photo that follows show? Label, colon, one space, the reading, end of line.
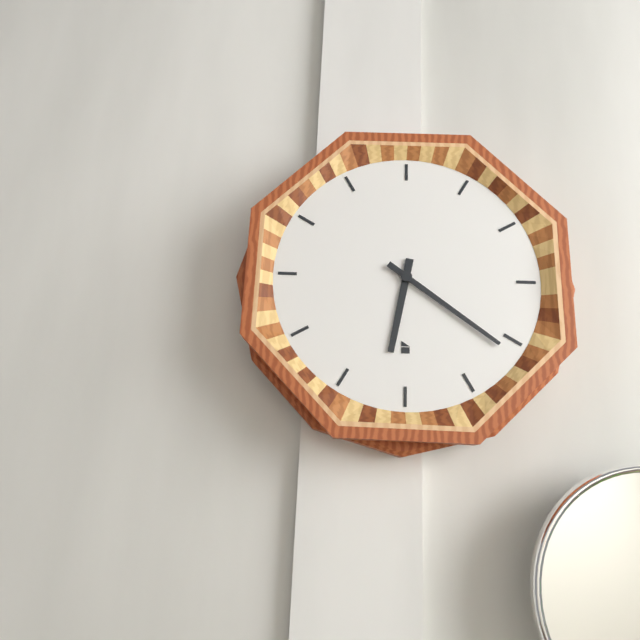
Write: 6:21
